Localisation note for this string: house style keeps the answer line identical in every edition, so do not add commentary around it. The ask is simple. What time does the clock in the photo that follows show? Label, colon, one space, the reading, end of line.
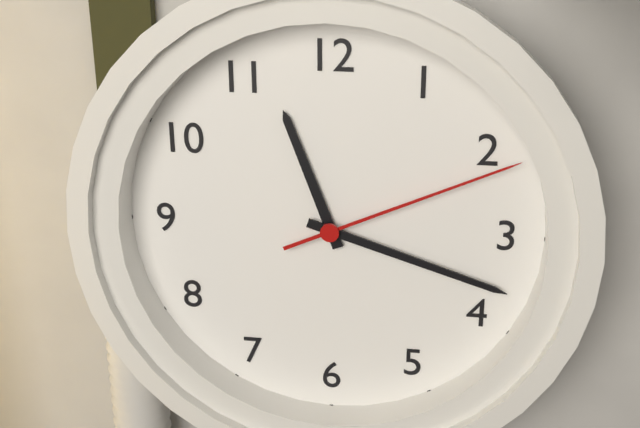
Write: 11:18:11
